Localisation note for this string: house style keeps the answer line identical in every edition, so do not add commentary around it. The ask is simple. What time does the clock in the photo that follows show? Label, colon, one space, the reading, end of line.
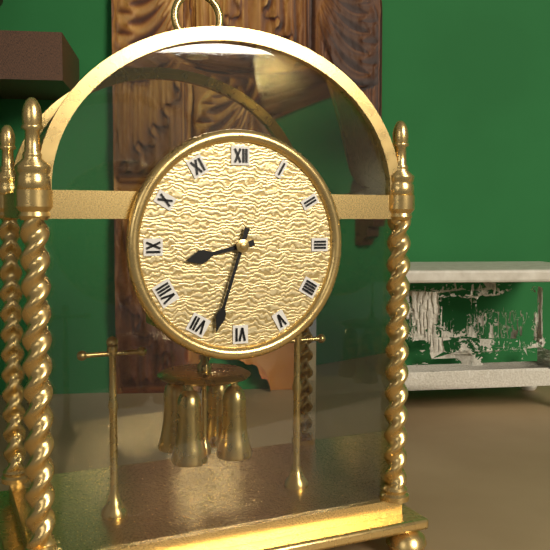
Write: 8:33
